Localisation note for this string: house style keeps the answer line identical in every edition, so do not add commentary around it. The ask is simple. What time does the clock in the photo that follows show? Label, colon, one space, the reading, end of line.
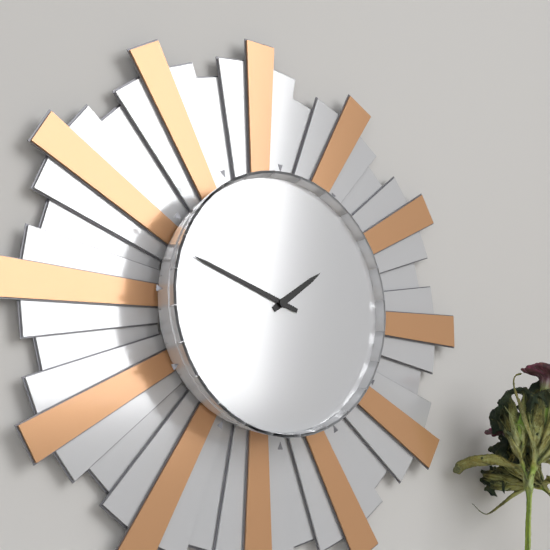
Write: 1:48
